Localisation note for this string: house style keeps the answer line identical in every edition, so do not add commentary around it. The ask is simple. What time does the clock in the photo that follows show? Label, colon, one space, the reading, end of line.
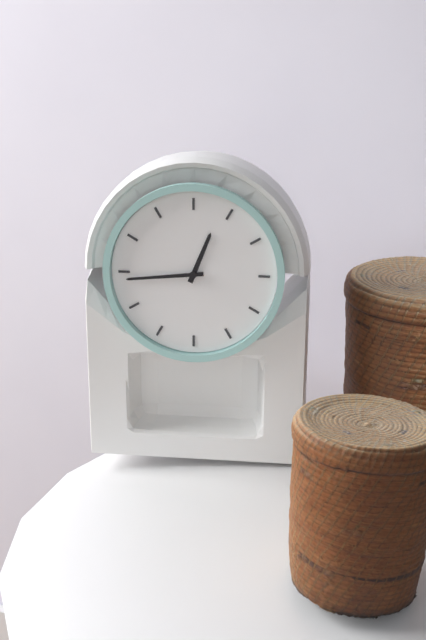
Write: 12:44
